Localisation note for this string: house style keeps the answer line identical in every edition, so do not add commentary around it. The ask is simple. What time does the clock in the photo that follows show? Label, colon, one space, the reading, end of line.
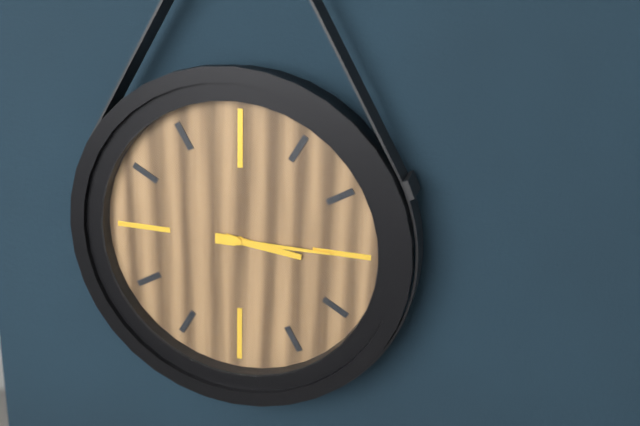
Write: 3:15
